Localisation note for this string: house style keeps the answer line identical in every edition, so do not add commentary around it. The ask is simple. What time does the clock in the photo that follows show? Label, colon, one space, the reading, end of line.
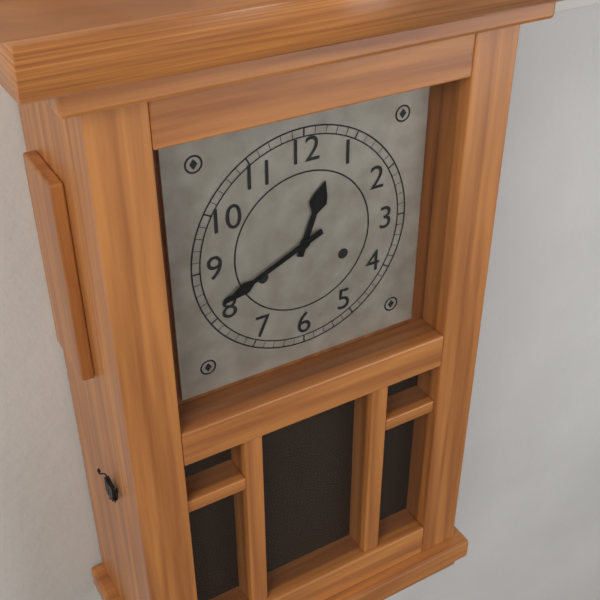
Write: 12:41
